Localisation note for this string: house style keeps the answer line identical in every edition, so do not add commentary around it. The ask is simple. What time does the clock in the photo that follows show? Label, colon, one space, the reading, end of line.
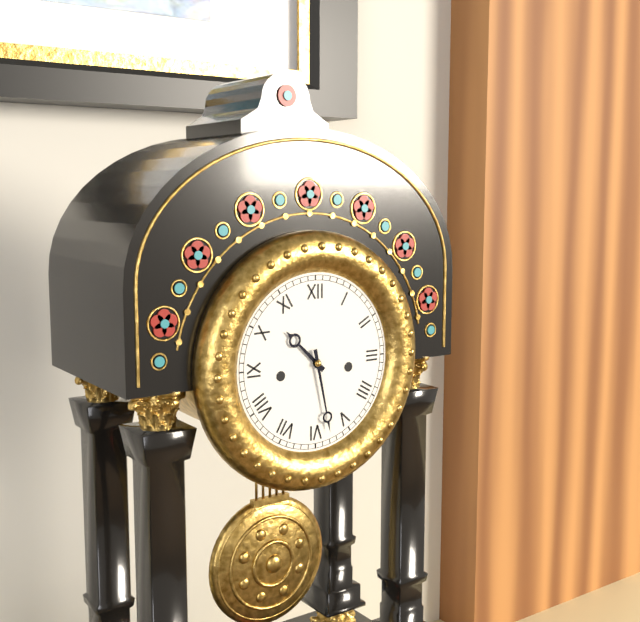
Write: 10:28
